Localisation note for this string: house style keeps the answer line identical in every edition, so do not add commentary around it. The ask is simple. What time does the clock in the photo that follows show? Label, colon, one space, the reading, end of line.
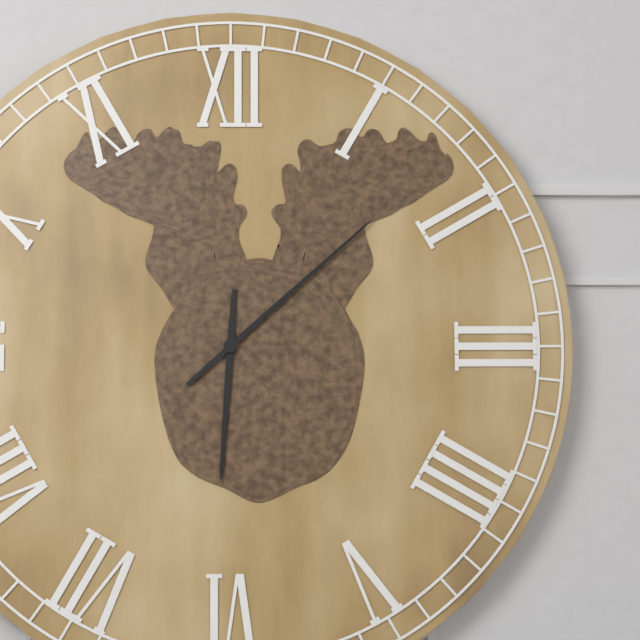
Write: 6:08
